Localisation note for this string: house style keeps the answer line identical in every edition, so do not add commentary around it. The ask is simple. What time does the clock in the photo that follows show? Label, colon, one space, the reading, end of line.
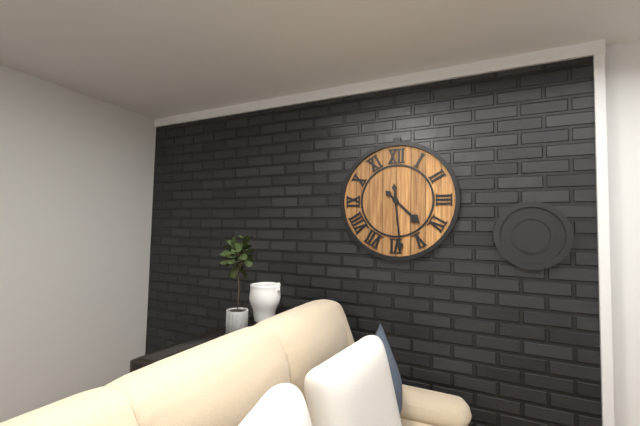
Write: 4:29
